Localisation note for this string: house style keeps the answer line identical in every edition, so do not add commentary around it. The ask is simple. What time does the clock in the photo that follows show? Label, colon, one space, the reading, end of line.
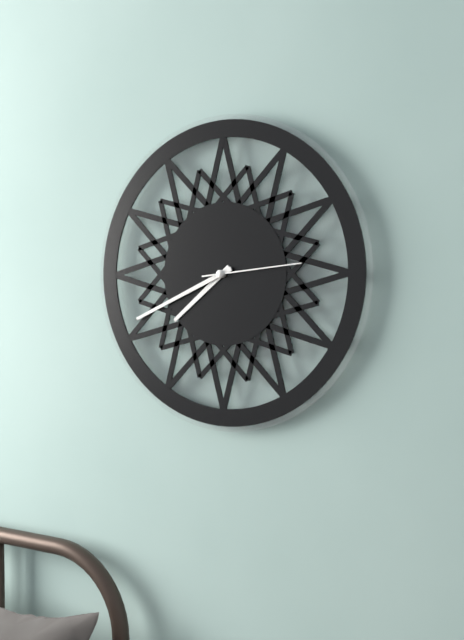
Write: 7:41:14
